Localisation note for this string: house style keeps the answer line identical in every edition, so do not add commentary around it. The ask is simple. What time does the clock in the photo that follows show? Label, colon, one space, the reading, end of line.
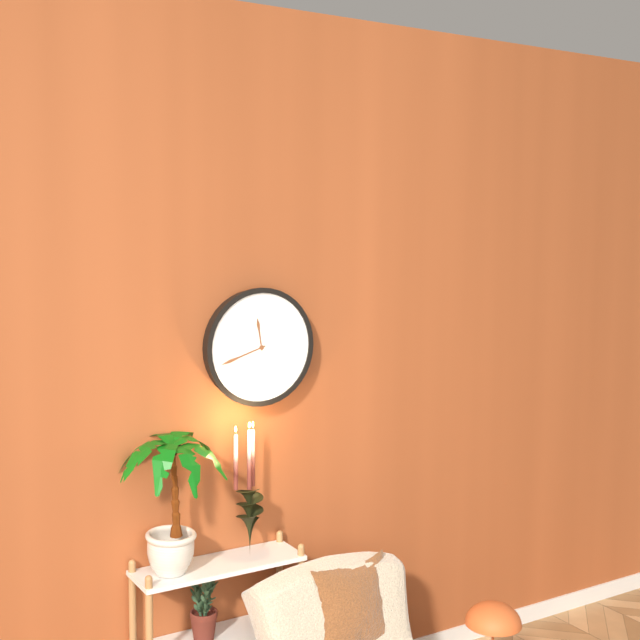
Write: 11:42
